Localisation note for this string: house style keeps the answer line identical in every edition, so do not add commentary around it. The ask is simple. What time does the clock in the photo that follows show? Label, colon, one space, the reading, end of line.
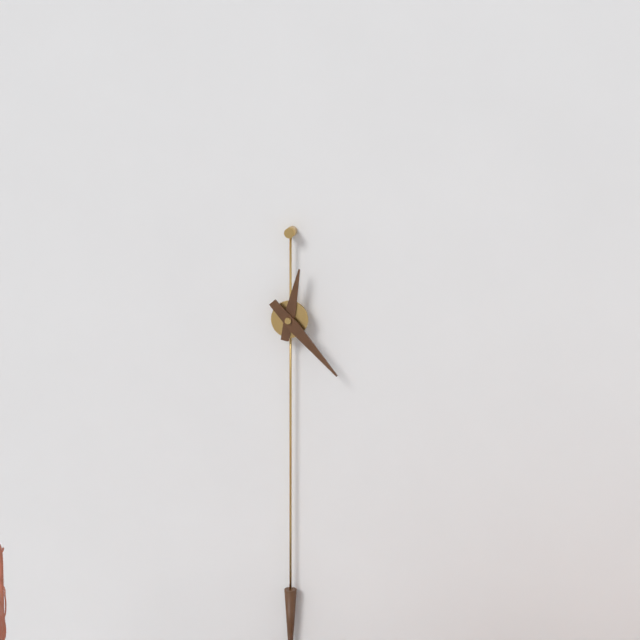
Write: 12:23
